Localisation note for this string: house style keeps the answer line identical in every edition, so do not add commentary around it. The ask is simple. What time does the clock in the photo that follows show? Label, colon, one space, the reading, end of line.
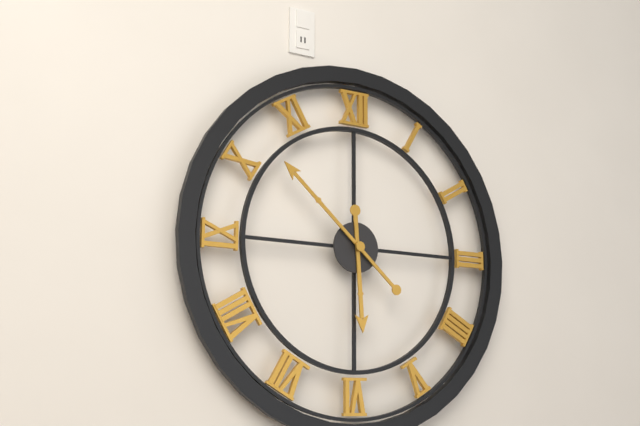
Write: 5:52
